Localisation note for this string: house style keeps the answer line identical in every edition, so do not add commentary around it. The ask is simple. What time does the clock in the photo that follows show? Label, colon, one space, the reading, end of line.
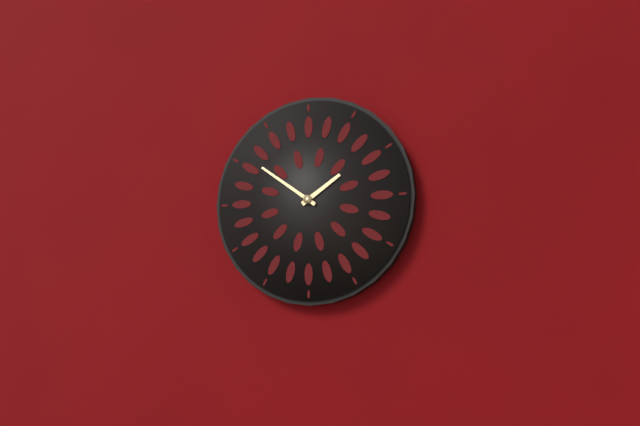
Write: 1:51
